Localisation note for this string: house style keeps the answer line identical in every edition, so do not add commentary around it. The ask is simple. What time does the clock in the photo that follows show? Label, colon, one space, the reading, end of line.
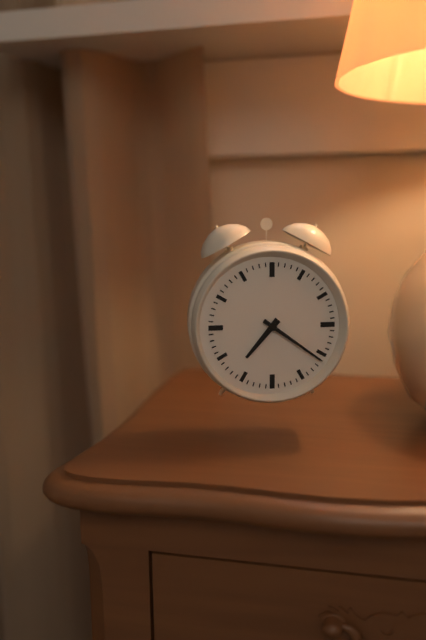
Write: 7:21
